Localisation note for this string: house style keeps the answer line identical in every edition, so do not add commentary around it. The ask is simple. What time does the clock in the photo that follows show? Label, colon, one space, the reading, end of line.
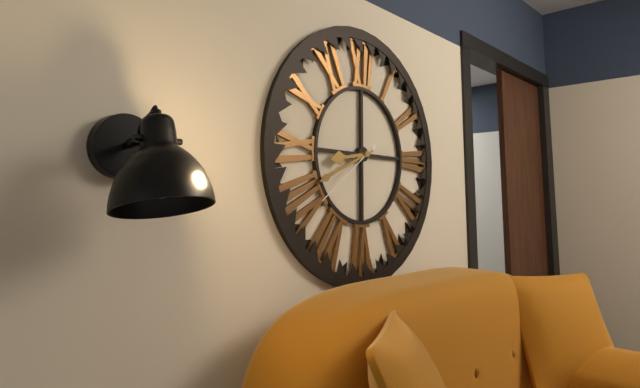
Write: 8:41:39
